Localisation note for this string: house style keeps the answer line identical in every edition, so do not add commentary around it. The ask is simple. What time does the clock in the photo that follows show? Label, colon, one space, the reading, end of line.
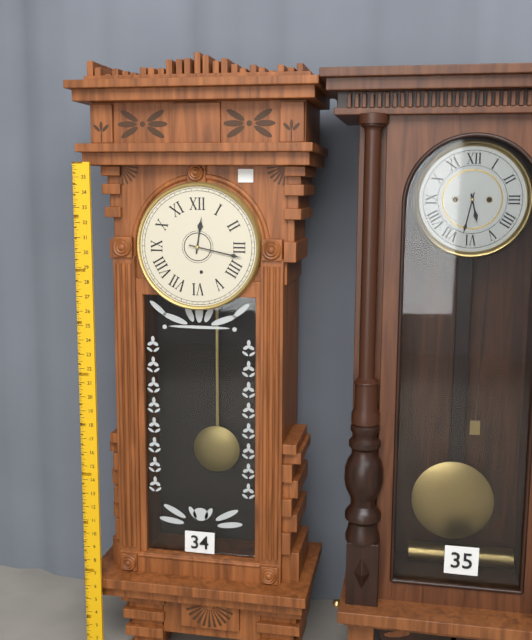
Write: 12:17
